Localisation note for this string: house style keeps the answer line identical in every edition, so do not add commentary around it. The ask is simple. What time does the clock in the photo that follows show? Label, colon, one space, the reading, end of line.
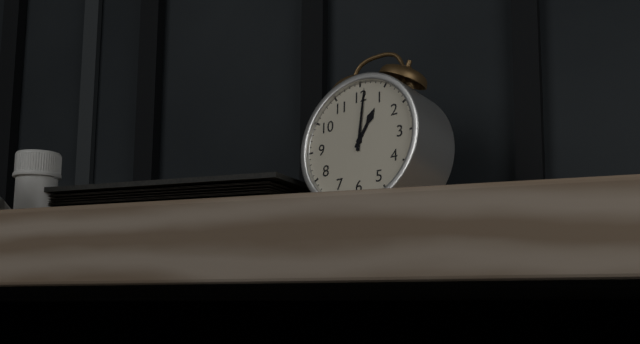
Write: 1:01
